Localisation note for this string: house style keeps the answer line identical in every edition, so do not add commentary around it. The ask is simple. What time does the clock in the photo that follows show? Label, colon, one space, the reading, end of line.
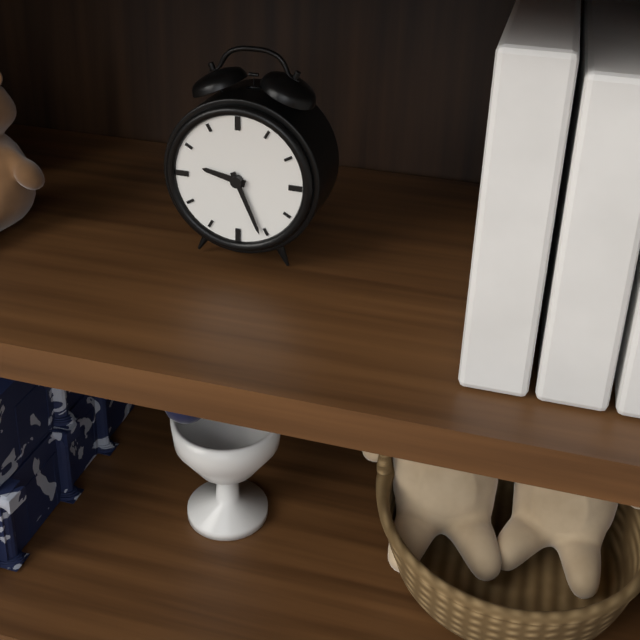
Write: 9:26
